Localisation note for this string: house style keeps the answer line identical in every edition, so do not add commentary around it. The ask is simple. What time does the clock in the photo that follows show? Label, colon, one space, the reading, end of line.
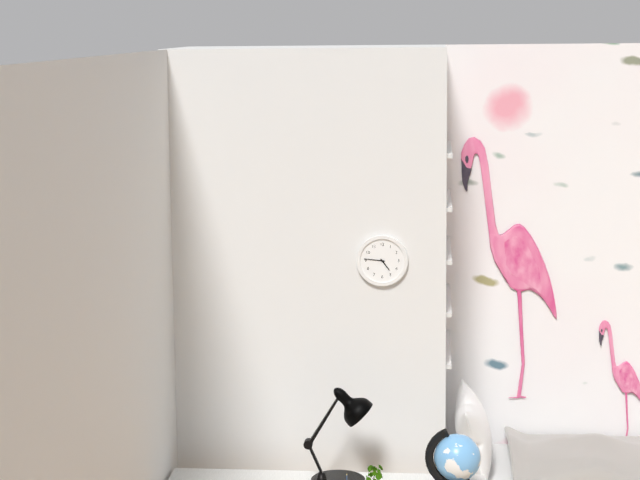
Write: 4:46
